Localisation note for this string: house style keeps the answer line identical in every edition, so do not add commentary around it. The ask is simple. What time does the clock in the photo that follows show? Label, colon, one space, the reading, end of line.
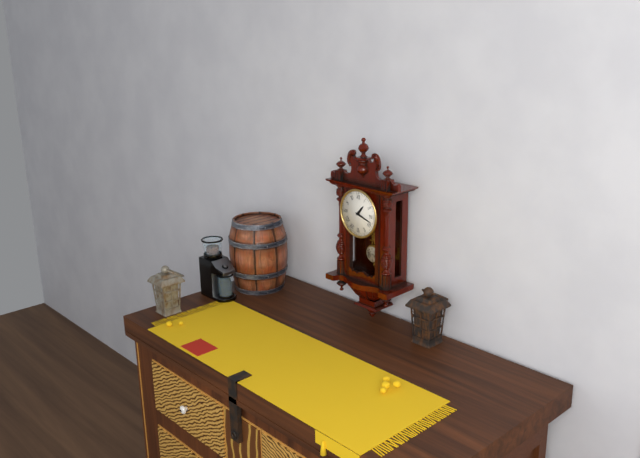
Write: 1:18
